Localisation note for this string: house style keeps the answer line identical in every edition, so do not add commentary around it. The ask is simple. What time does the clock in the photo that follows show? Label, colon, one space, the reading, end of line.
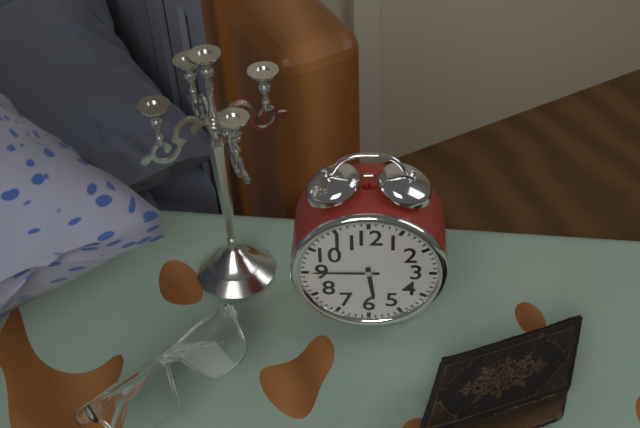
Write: 5:45
